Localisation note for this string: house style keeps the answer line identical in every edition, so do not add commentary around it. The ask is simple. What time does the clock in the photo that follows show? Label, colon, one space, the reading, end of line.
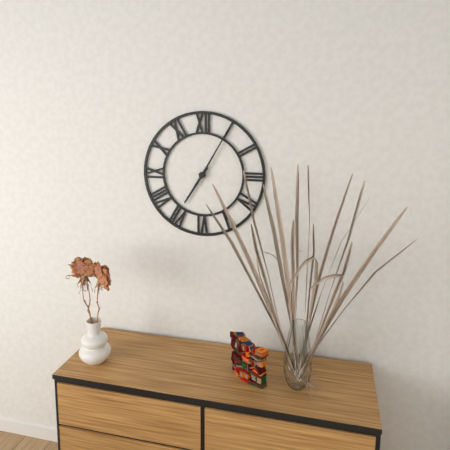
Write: 7:05
